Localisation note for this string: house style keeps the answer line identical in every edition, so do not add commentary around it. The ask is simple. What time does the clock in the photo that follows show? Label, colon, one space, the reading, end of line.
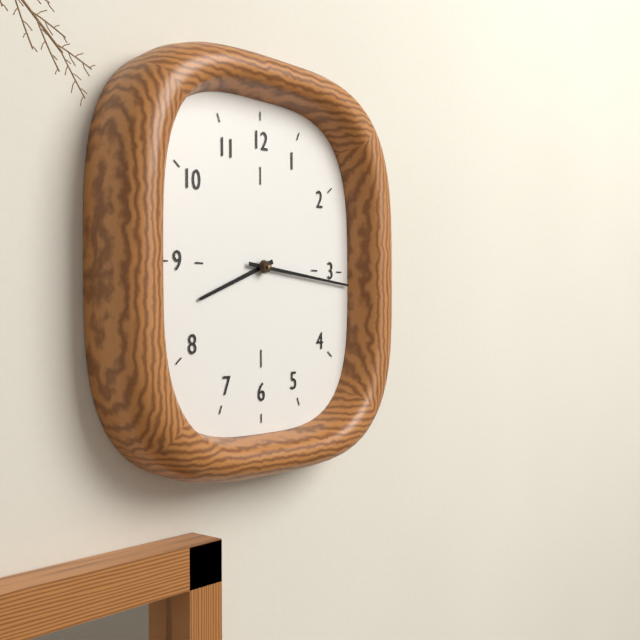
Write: 8:16
